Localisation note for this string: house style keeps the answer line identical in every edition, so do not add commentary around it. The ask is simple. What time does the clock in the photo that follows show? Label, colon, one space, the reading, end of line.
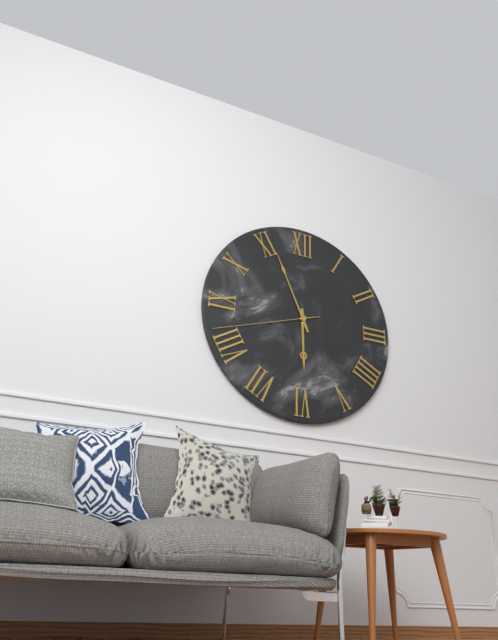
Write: 5:56:42
